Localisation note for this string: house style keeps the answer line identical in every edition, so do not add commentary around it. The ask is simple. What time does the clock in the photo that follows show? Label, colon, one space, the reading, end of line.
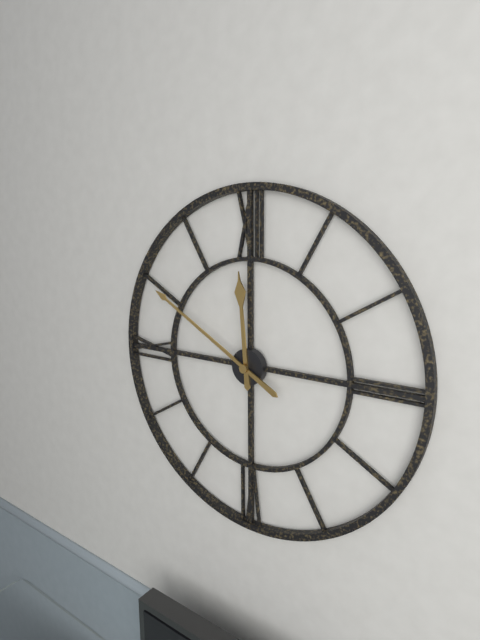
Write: 11:50
